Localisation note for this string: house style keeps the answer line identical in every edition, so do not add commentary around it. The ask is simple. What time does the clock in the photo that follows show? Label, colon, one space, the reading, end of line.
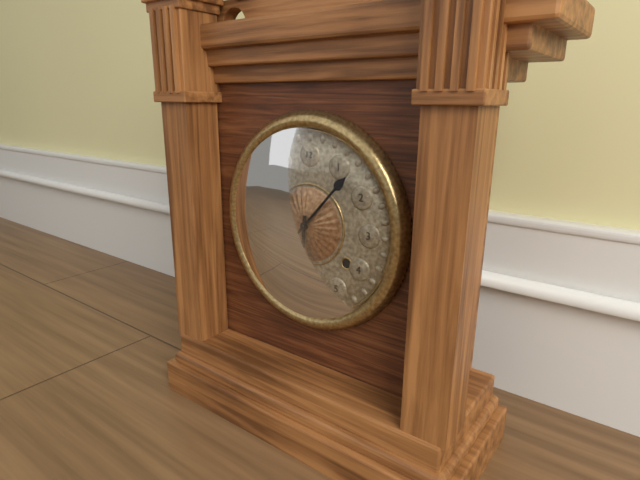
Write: 6:07
